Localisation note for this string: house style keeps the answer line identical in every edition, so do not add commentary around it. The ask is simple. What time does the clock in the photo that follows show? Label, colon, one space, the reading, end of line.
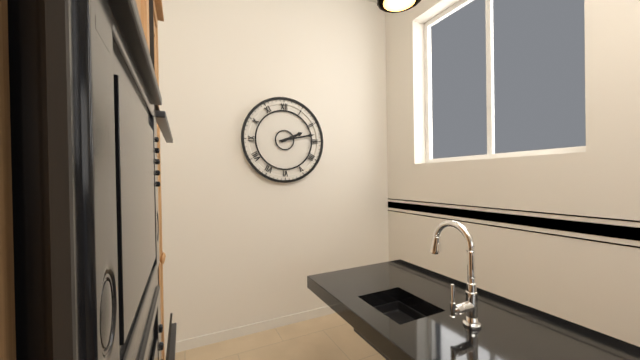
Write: 2:13
